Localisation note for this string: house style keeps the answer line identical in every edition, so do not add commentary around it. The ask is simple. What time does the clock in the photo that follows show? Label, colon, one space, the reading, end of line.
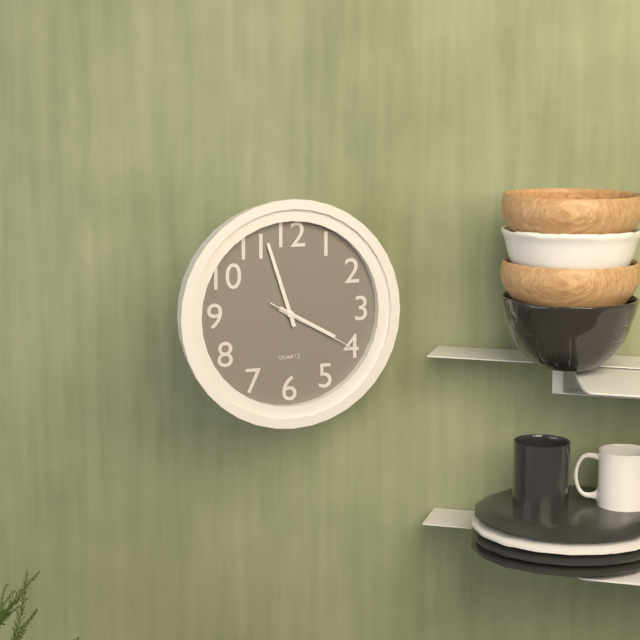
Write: 3:57:20
